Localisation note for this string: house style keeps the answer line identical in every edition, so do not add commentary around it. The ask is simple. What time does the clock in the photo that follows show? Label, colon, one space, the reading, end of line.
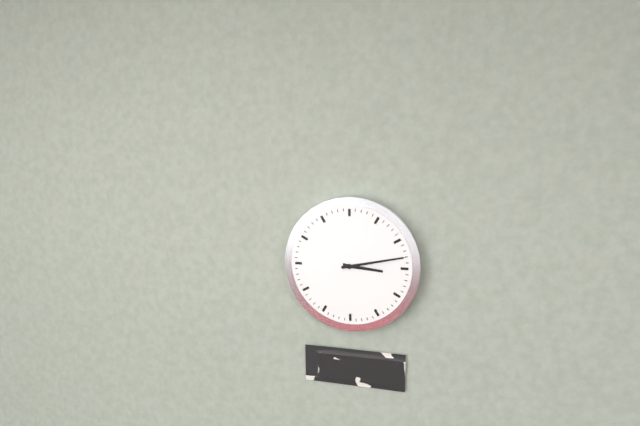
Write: 3:13
